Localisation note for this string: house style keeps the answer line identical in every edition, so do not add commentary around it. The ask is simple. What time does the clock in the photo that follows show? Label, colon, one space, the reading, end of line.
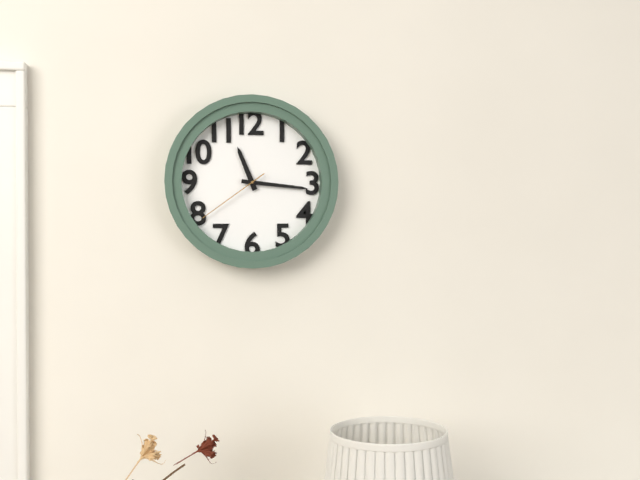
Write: 11:16:39
